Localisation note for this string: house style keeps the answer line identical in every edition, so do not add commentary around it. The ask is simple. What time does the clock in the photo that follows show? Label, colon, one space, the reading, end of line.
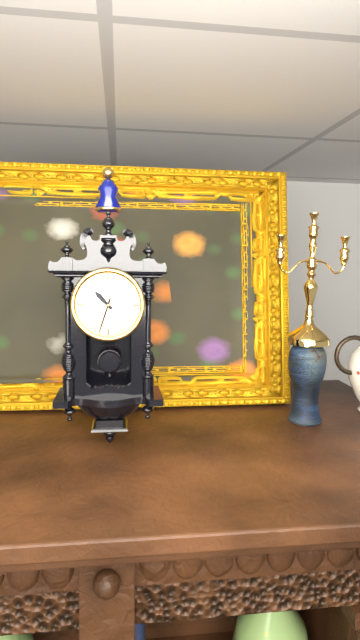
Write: 10:33
